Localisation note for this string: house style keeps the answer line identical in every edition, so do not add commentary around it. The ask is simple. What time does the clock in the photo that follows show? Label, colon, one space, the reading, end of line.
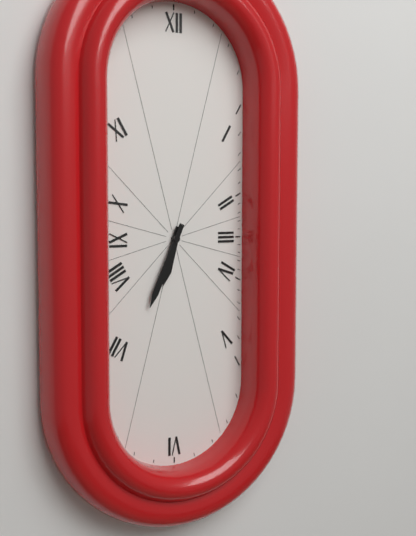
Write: 6:34
